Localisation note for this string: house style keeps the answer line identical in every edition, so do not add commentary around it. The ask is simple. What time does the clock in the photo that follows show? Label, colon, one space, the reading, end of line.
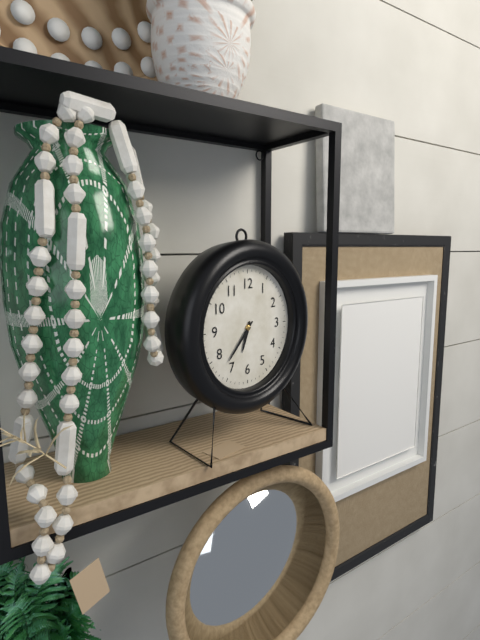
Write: 6:37
